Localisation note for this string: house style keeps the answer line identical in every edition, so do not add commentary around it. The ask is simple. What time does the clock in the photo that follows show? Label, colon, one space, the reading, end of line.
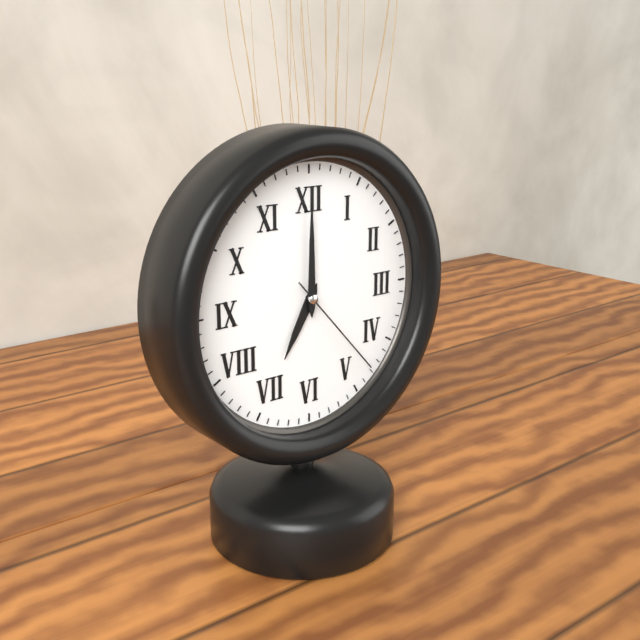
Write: 7:00:23
